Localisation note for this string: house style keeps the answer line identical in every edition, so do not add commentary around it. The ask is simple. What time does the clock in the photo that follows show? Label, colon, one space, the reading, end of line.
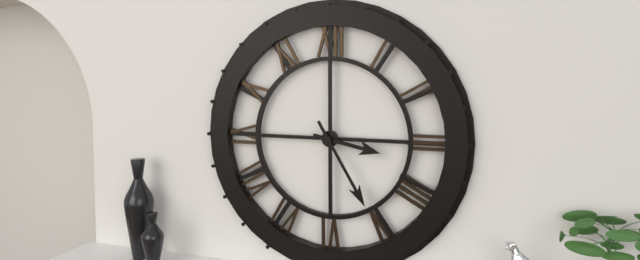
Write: 3:25
